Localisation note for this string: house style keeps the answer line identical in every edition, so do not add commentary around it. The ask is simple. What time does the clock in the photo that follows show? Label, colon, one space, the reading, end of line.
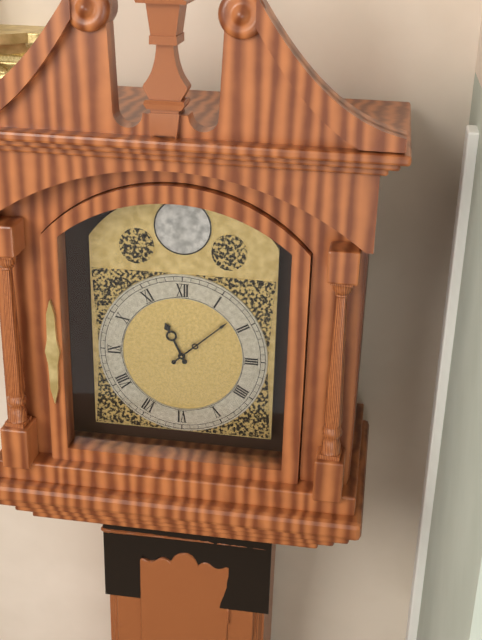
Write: 11:08
